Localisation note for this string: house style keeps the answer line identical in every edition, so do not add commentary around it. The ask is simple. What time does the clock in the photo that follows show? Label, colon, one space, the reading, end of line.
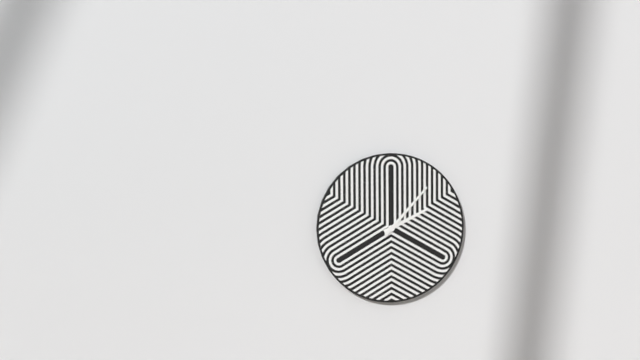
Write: 2:07
